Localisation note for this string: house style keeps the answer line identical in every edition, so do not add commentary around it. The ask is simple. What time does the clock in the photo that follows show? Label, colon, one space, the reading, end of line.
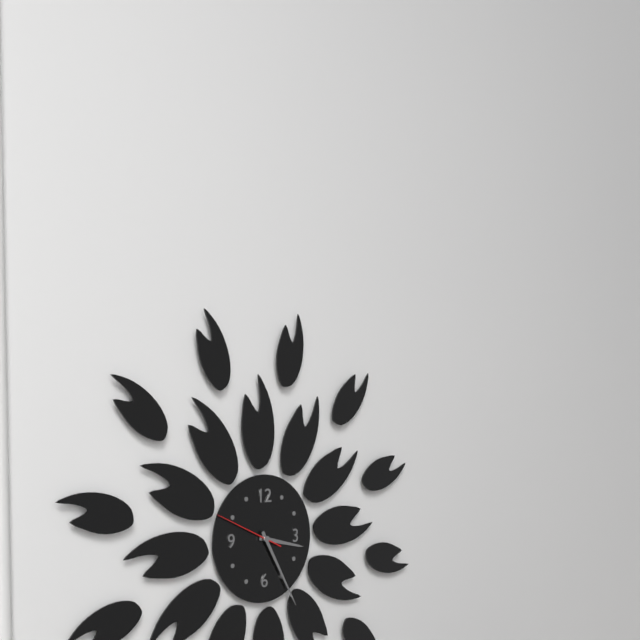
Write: 3:25:49
